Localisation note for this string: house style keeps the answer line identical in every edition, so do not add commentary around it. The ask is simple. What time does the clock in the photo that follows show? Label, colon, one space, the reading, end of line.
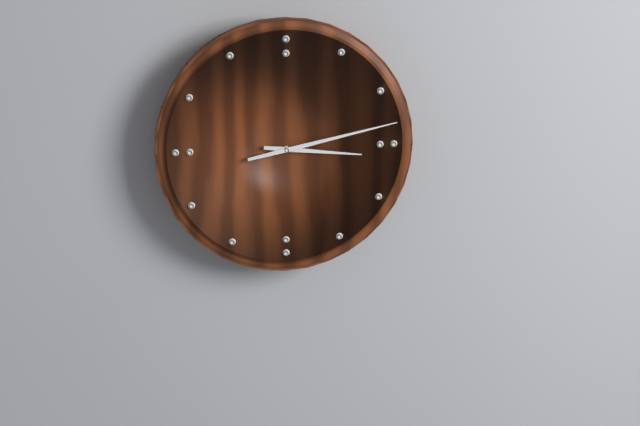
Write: 3:13
